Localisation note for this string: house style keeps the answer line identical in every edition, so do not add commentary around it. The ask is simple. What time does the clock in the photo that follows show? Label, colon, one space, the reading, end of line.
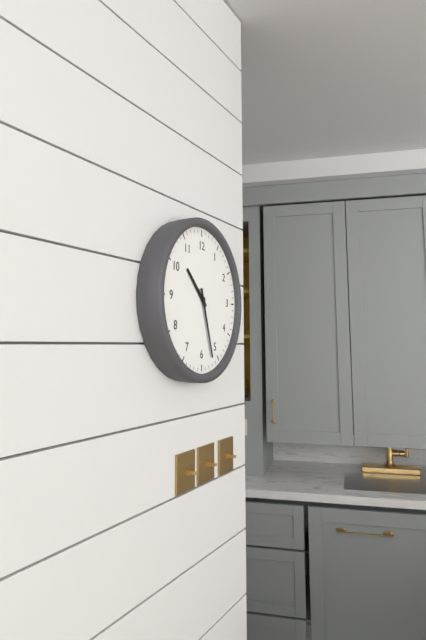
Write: 10:27
